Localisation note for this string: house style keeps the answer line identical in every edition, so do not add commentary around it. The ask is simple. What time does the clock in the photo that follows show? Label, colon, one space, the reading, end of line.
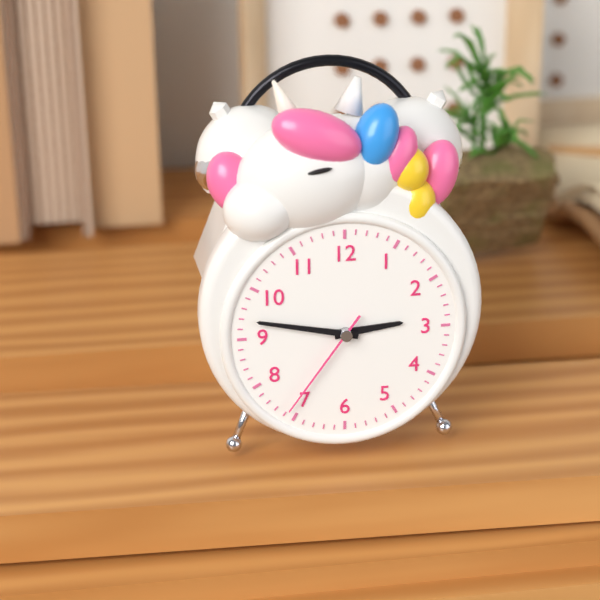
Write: 2:47:36
